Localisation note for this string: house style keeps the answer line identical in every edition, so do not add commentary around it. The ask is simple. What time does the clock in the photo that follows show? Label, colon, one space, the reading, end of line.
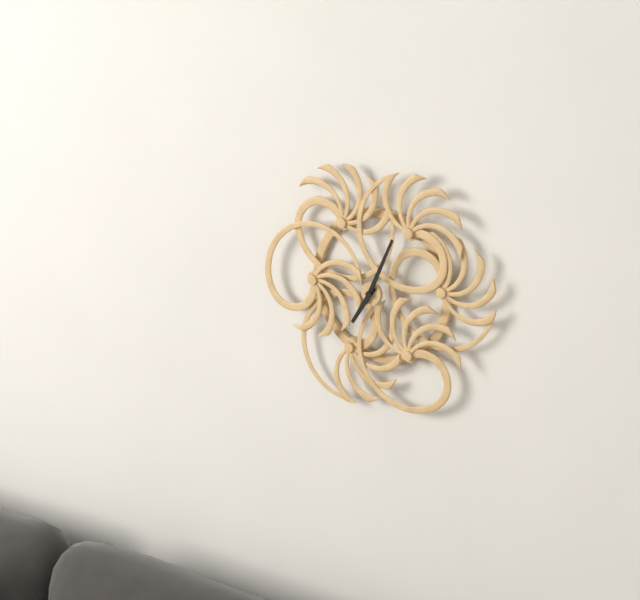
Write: 7:04
